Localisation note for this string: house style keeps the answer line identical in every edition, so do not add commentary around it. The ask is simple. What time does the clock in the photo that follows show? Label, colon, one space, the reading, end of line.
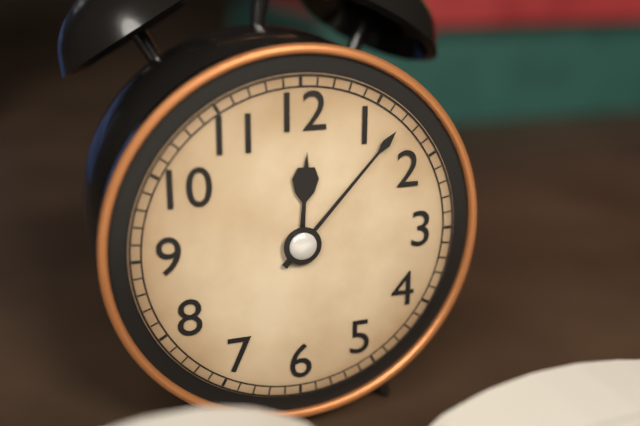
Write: 12:07
